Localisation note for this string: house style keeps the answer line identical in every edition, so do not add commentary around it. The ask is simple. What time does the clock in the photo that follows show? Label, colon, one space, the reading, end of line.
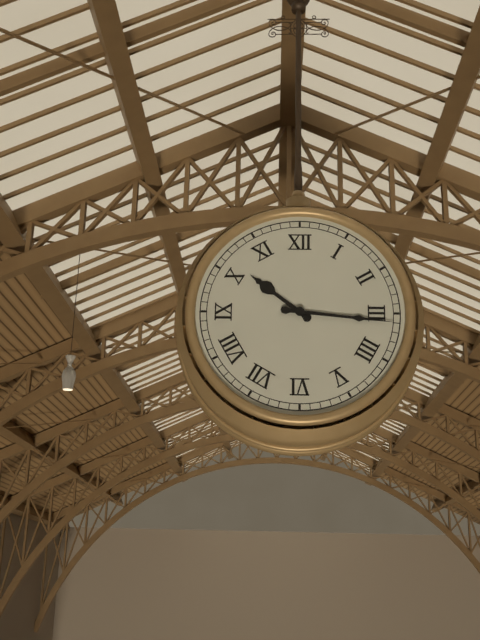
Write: 10:16
